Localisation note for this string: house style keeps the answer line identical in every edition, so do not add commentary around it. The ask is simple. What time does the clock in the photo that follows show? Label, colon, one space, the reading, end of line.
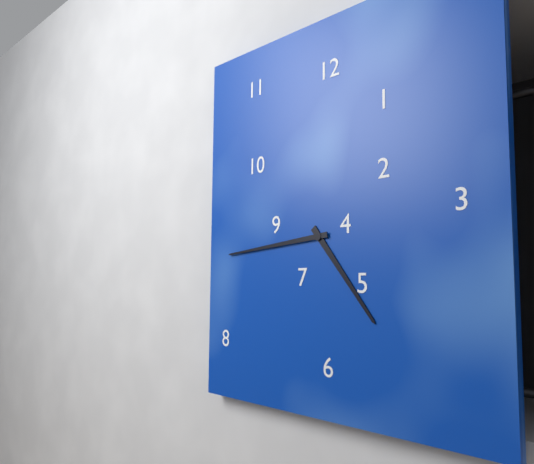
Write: 4:44
